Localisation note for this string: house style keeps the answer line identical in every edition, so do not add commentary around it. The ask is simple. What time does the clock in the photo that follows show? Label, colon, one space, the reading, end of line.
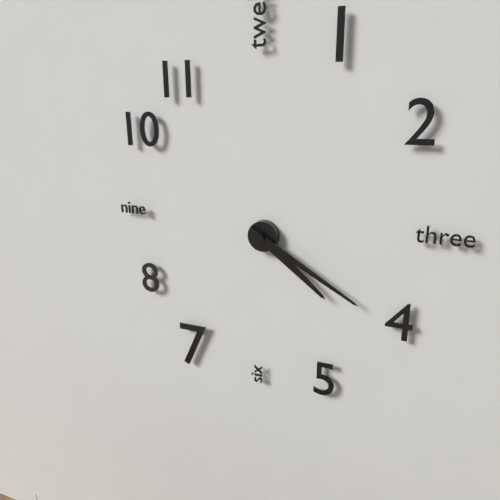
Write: 4:20
